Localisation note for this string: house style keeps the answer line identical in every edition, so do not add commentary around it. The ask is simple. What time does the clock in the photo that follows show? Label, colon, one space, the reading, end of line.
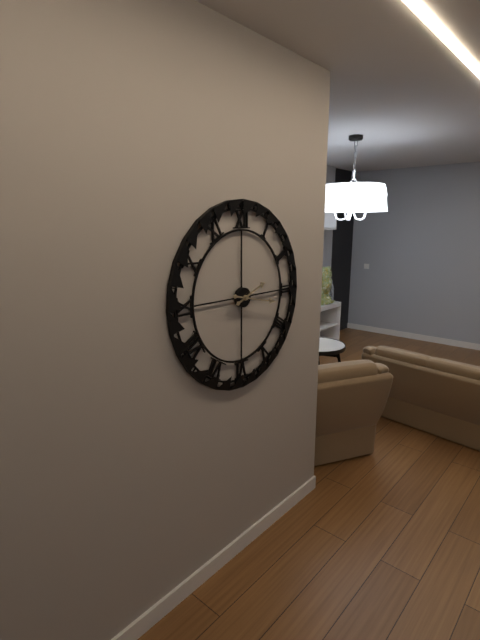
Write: 2:17
